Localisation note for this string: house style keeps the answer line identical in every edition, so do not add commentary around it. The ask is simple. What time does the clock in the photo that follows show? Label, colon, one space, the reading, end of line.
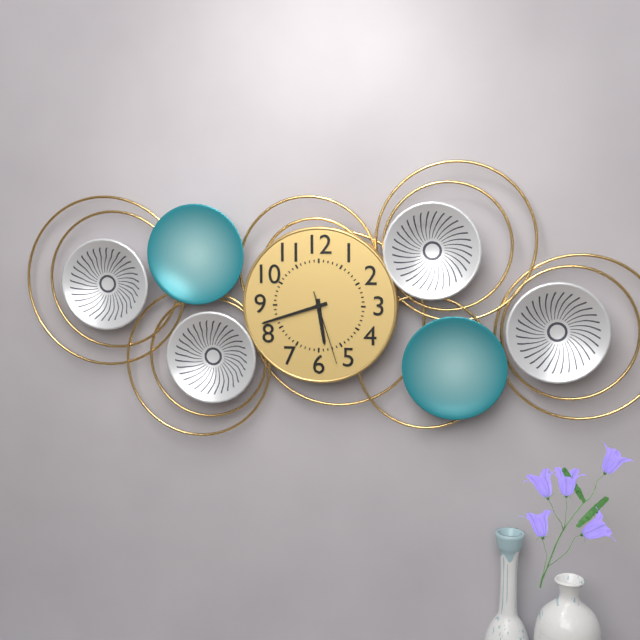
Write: 5:42:27
